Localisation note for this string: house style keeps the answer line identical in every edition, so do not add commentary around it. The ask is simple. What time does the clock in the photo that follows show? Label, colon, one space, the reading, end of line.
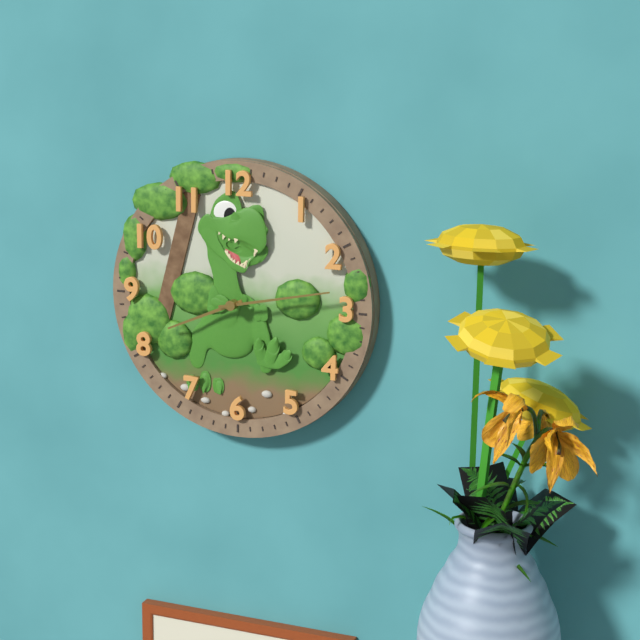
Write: 8:13
